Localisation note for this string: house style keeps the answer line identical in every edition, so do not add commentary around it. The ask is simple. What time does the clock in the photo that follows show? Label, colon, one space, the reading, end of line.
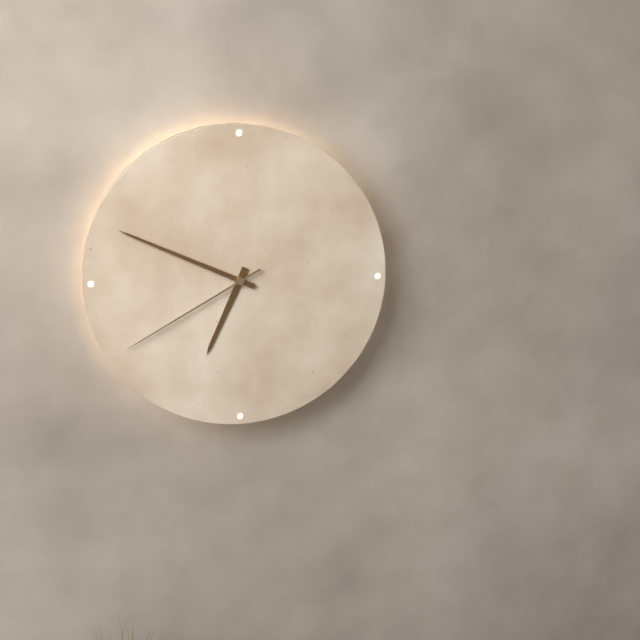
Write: 6:49:40
